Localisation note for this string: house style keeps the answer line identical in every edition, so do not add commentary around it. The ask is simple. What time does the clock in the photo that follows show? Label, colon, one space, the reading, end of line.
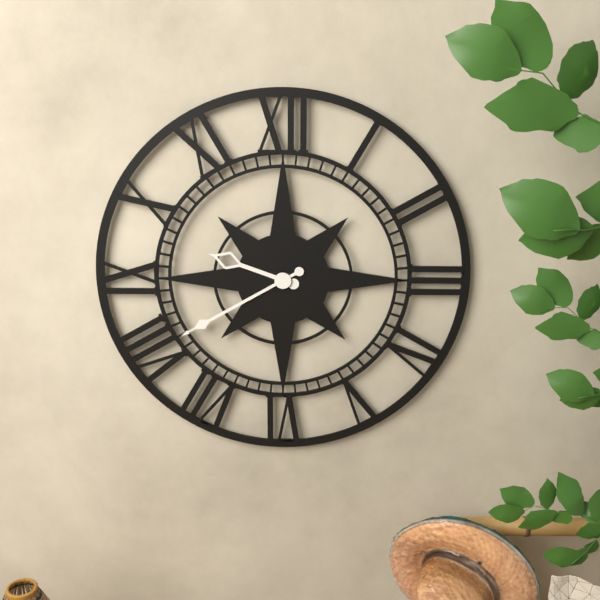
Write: 9:40
